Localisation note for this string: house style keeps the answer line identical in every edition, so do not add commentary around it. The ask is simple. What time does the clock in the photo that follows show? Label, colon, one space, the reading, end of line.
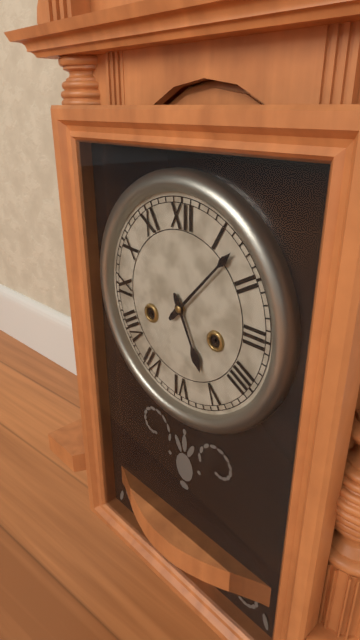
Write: 5:07
